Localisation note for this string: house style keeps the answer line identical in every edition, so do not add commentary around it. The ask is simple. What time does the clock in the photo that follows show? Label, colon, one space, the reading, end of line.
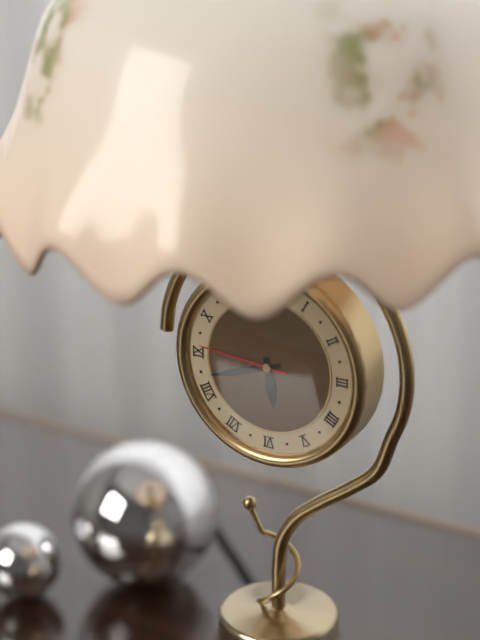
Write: 5:42:46
